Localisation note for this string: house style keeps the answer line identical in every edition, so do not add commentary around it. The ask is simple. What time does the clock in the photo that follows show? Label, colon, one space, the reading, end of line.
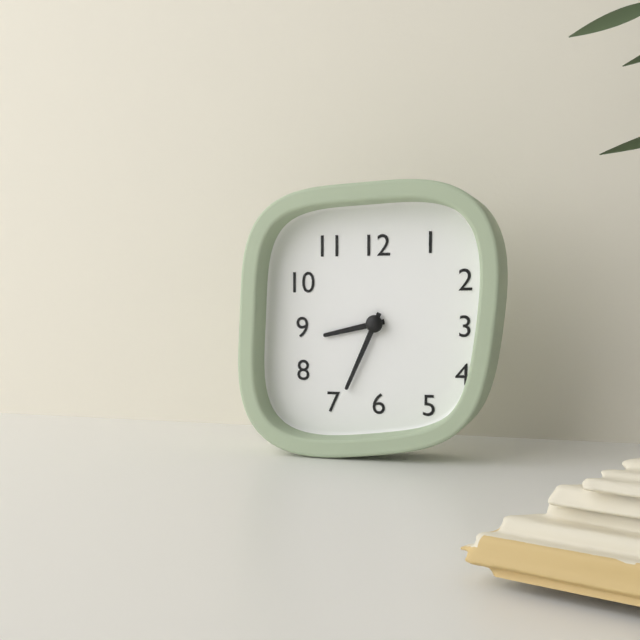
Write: 8:34
